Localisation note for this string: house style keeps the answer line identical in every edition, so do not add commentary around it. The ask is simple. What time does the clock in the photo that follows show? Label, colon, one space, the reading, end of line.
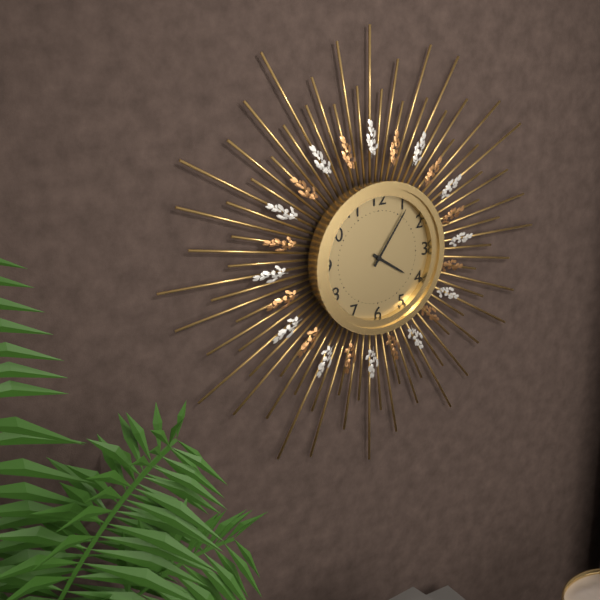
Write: 4:06
